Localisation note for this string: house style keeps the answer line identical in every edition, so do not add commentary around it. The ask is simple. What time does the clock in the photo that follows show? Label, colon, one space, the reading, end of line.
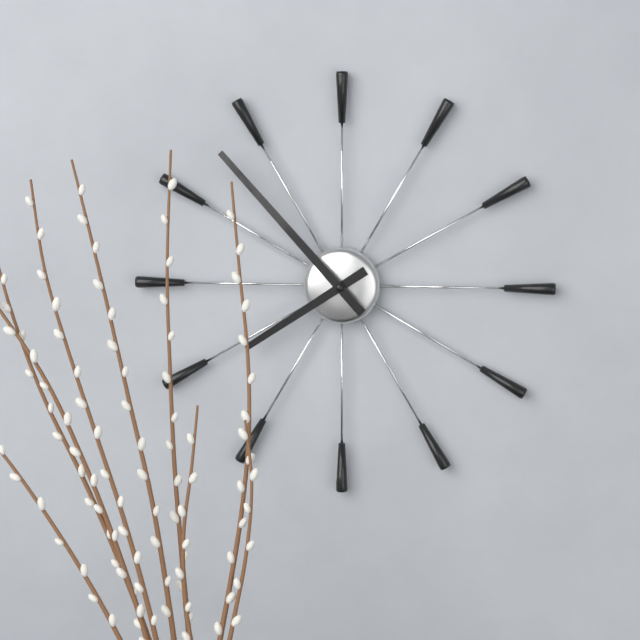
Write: 7:53
